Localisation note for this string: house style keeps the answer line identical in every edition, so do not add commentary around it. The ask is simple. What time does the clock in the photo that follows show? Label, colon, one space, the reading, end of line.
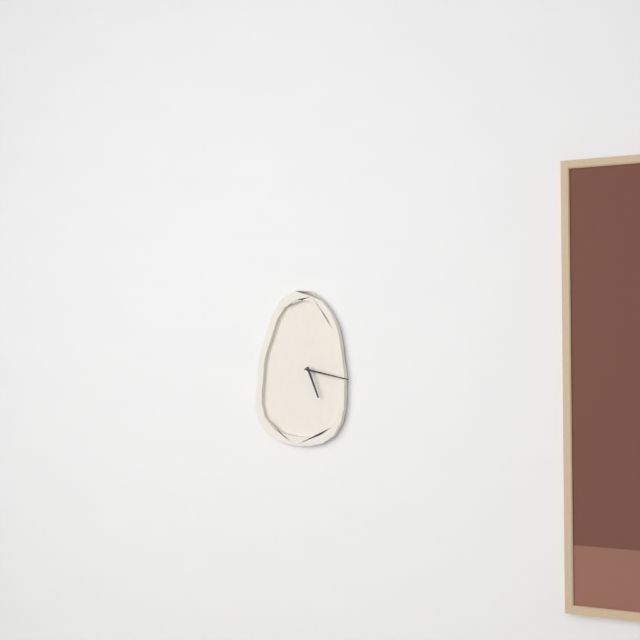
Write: 5:17
